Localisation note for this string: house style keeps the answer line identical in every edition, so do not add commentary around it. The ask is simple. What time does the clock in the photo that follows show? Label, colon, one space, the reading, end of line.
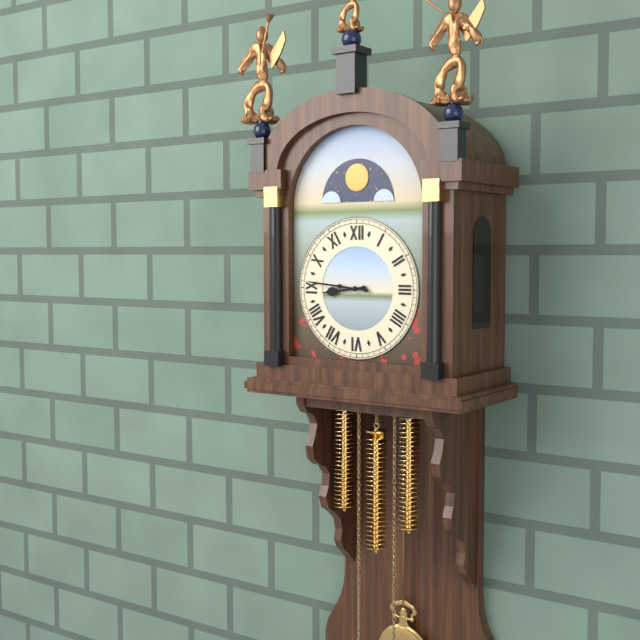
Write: 8:46
